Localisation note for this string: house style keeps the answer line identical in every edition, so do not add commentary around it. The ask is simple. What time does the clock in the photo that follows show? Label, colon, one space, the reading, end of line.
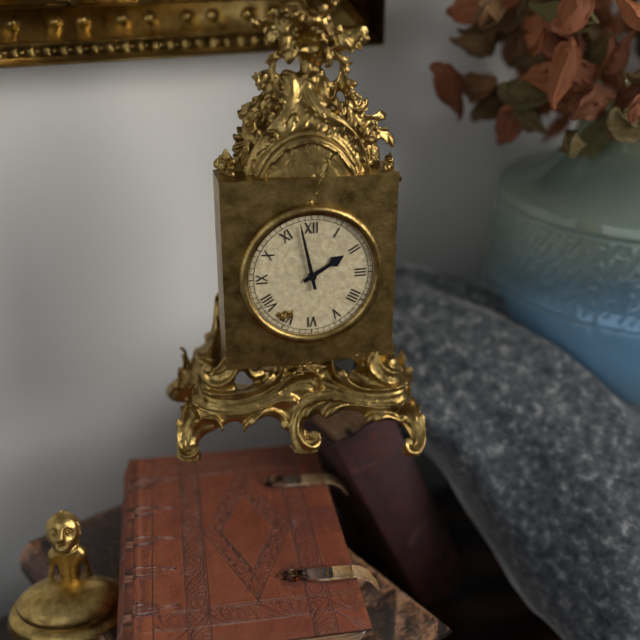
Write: 1:58
